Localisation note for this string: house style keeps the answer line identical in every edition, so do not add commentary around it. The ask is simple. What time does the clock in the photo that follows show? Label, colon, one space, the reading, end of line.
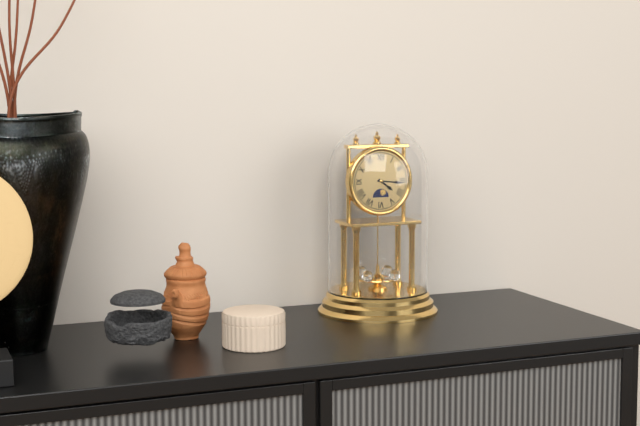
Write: 4:16
